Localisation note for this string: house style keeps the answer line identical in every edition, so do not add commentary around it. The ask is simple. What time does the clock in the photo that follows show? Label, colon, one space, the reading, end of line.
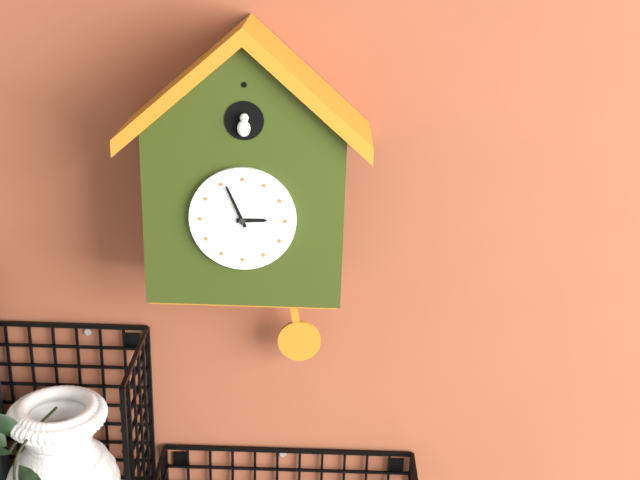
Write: 2:56
